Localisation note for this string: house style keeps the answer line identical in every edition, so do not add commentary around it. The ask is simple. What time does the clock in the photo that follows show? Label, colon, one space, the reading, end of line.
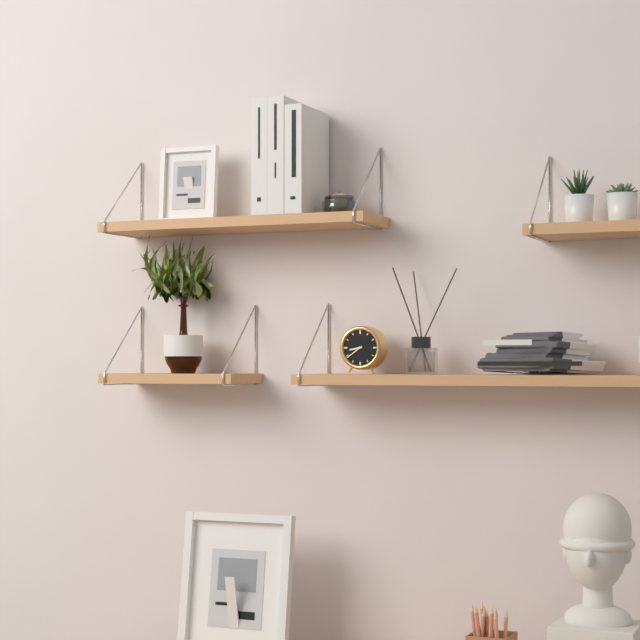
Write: 8:39
